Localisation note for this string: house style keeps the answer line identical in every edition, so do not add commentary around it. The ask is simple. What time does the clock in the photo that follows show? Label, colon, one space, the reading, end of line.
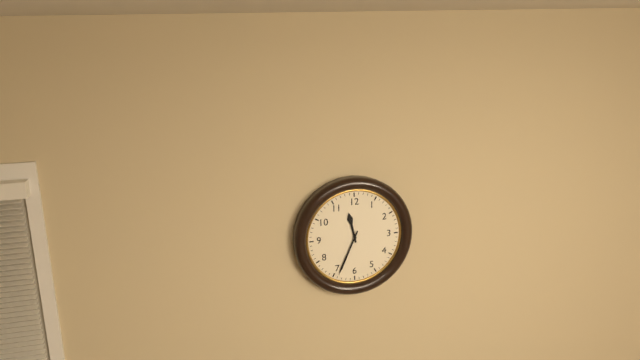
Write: 11:34
